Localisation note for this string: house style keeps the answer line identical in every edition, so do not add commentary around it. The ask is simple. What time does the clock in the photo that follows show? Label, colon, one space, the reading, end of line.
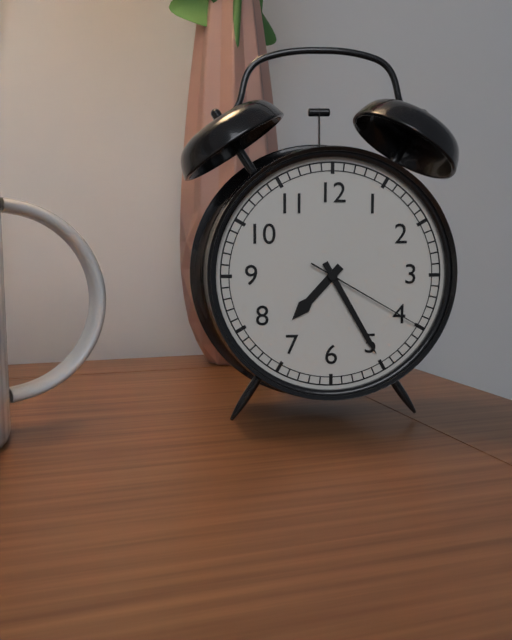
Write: 7:25:20
